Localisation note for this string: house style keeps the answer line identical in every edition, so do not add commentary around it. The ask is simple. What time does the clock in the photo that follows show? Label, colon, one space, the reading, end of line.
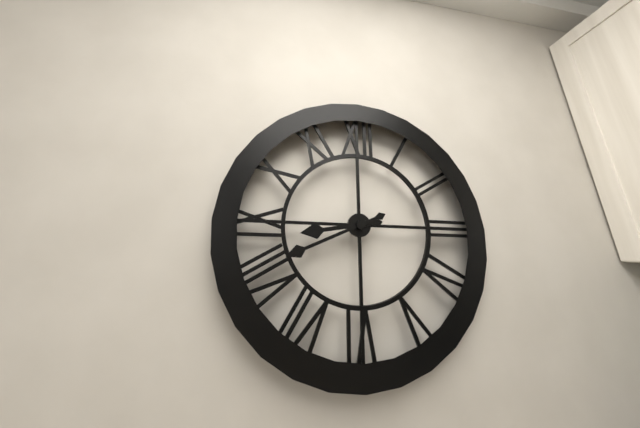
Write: 8:41
